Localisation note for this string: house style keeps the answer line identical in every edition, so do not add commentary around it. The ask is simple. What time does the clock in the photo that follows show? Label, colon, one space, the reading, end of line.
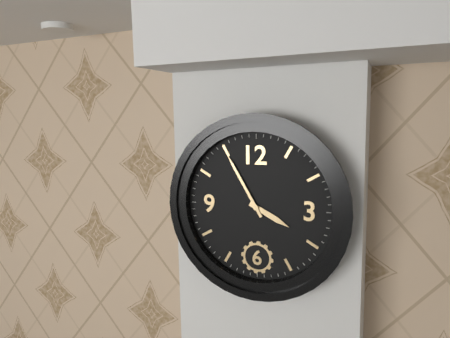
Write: 3:55
